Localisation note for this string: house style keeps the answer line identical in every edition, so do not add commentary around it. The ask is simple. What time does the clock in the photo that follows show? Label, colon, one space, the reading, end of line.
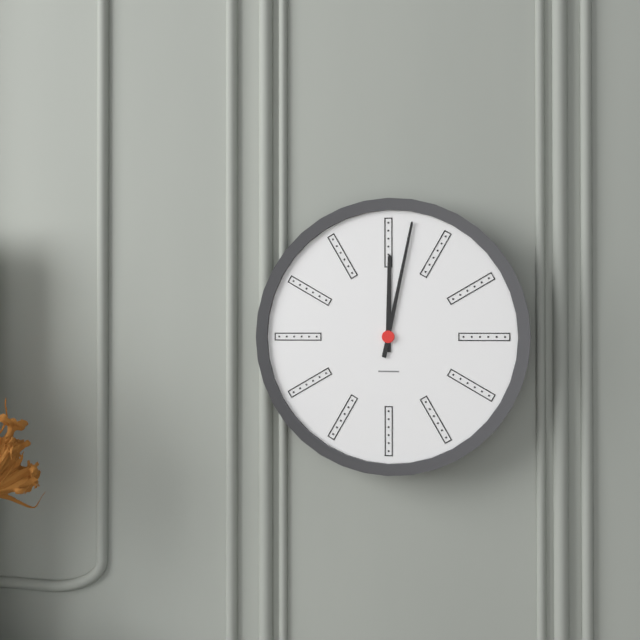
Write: 12:02
